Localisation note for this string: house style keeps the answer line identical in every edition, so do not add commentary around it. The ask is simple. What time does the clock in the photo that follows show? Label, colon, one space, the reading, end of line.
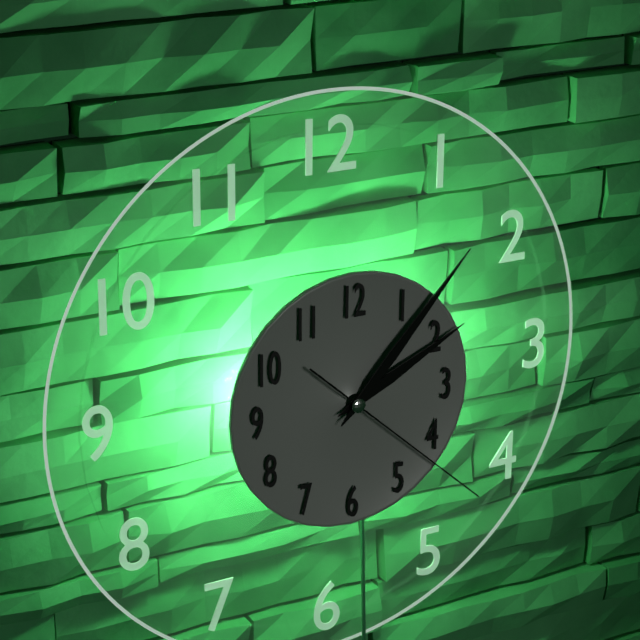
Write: 2:07:22
